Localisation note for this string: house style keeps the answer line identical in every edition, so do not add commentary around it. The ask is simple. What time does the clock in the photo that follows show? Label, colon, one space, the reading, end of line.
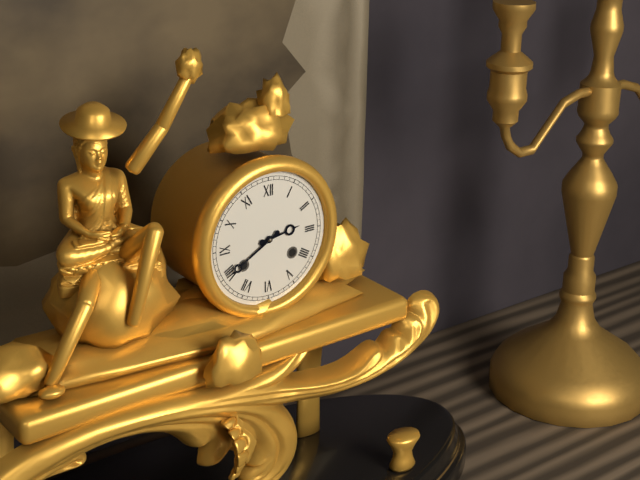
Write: 2:40
